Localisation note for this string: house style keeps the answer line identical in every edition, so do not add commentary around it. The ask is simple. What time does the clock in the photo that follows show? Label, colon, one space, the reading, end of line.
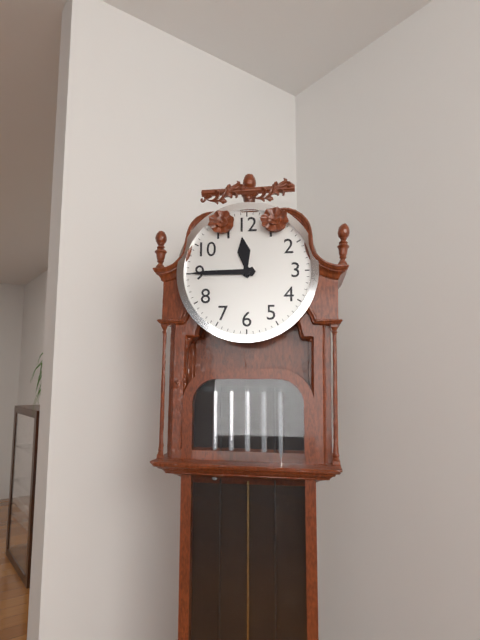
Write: 11:45
